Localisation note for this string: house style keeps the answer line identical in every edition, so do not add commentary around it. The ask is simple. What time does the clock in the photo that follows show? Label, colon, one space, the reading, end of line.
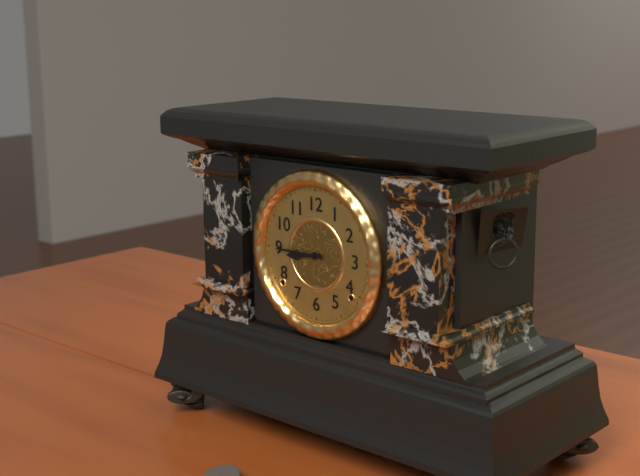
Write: 8:45
